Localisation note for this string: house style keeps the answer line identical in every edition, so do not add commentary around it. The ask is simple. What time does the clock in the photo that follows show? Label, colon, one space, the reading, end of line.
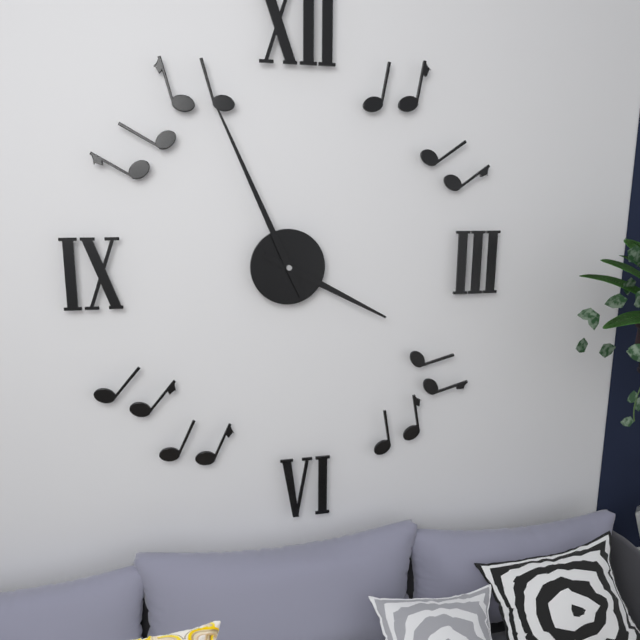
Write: 3:56
